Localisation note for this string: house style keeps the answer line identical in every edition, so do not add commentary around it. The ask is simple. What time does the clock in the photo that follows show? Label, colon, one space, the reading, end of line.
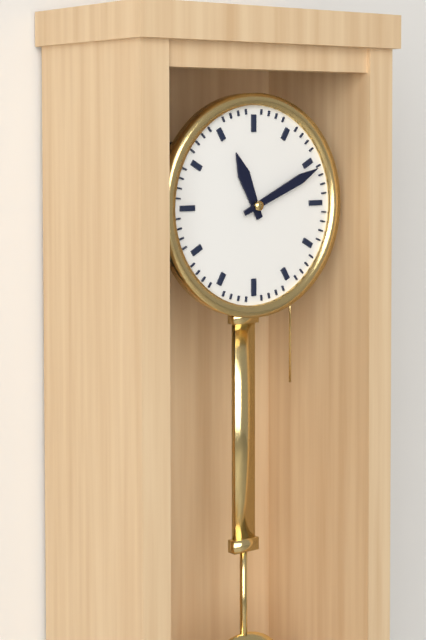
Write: 11:11
